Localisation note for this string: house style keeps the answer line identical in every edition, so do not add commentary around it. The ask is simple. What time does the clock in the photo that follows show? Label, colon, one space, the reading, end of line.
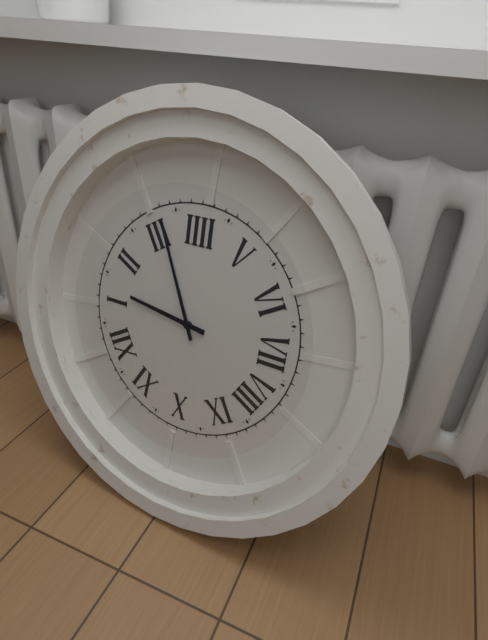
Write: 1:16
